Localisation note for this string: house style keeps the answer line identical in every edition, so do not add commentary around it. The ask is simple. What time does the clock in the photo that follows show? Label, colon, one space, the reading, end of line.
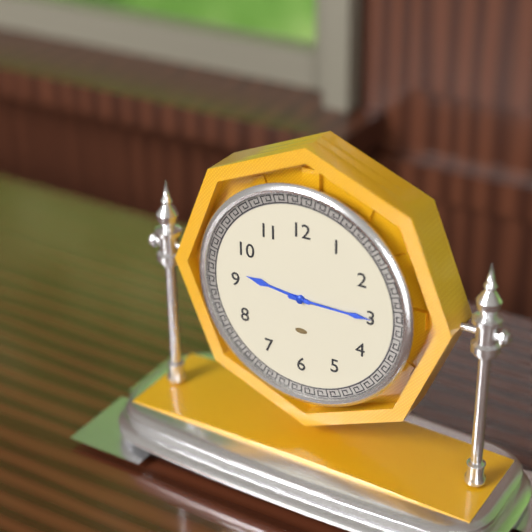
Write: 9:15
